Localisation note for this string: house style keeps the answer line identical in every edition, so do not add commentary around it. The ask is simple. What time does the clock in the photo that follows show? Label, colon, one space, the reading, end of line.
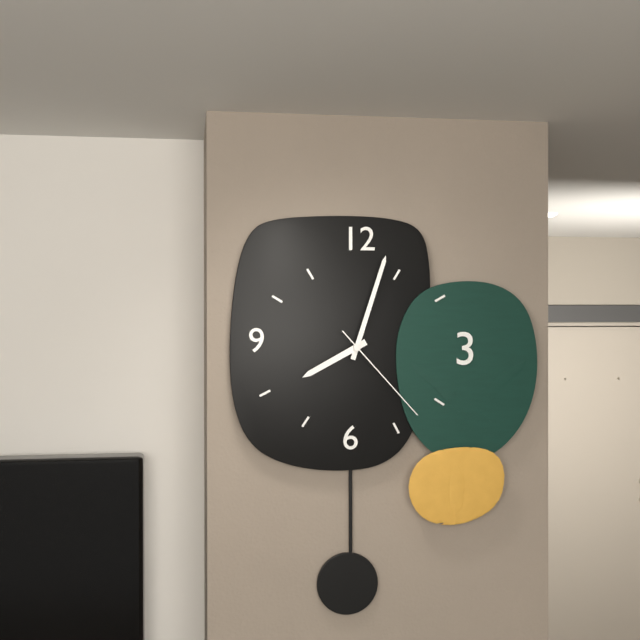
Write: 8:03:23
